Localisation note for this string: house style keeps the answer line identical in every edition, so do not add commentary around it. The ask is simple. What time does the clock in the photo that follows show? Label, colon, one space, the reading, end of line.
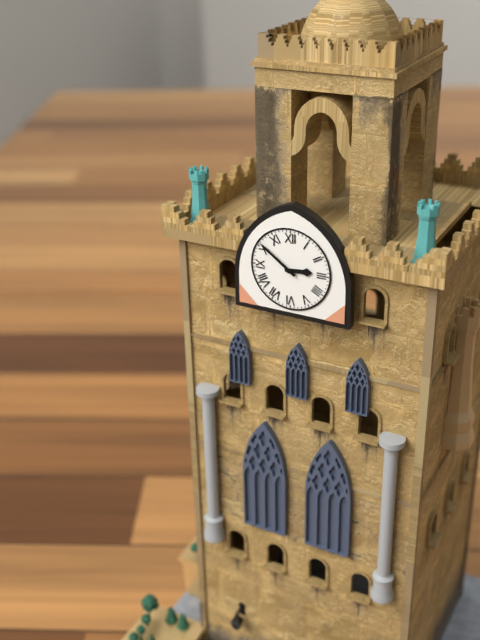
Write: 2:51
